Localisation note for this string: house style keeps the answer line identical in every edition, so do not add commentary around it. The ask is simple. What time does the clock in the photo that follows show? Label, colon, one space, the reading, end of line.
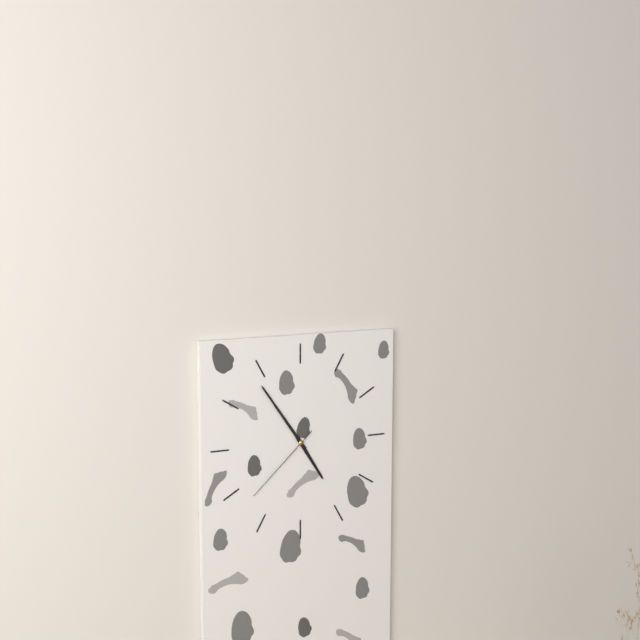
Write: 4:54:38
